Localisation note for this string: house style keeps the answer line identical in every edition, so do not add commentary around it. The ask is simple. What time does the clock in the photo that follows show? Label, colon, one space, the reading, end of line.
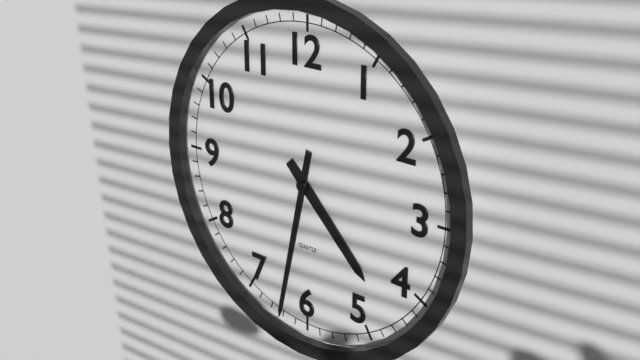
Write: 4:32
